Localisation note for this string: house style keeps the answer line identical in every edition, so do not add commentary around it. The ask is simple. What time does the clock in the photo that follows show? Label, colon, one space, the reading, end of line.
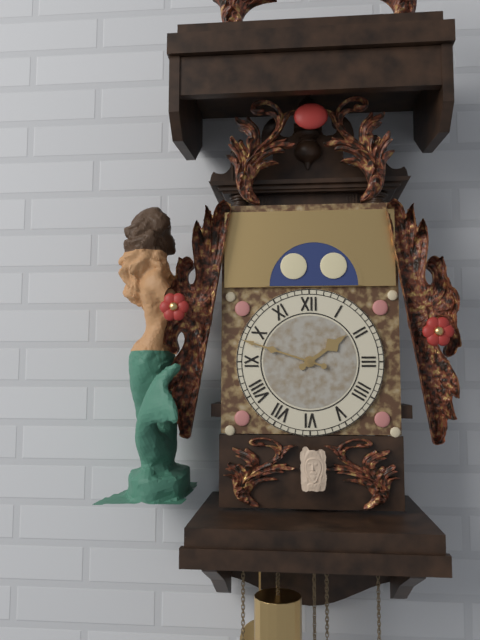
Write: 1:48
